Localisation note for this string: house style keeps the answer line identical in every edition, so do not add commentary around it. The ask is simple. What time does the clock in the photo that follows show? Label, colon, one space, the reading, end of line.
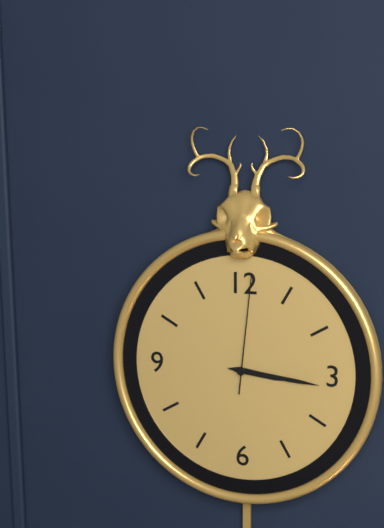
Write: 3:16:01
